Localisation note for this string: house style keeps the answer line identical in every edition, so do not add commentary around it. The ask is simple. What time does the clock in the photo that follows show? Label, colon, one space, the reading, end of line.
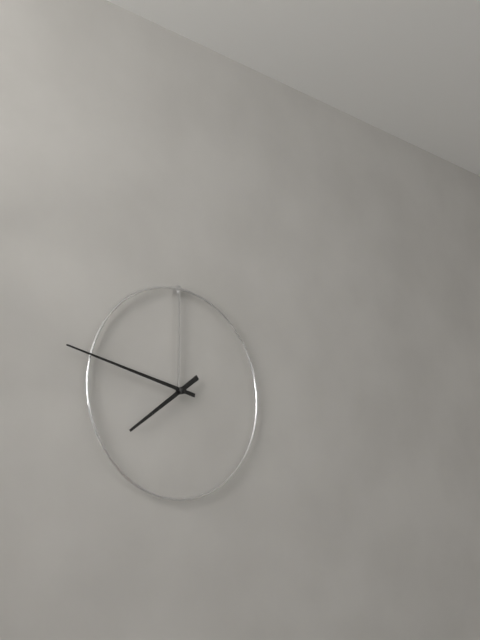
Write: 7:47
